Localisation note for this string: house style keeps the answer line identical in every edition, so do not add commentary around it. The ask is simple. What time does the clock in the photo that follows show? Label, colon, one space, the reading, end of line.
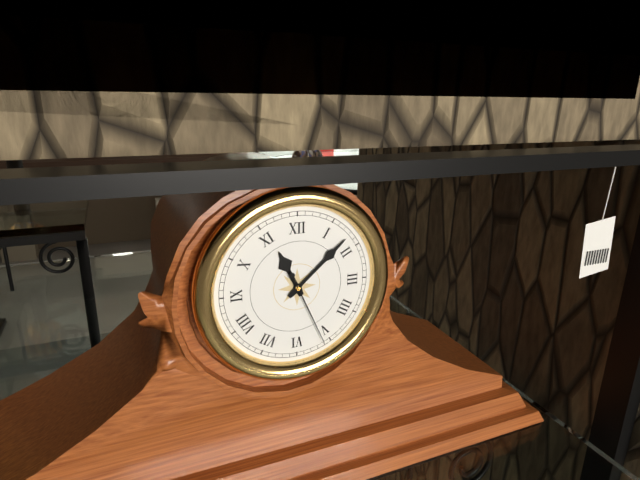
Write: 11:08:26
